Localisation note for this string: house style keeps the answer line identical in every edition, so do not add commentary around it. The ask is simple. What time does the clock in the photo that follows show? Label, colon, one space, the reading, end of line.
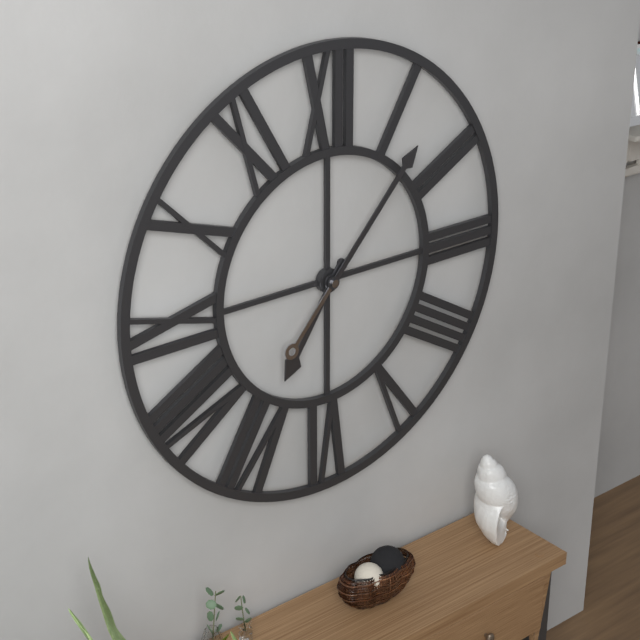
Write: 7:07
